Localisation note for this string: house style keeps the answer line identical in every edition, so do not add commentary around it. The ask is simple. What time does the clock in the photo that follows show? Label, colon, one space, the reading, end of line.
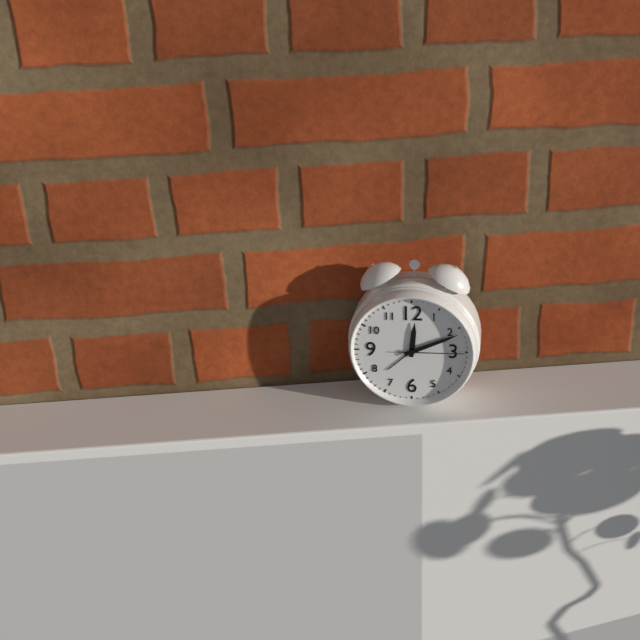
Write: 12:11:15
